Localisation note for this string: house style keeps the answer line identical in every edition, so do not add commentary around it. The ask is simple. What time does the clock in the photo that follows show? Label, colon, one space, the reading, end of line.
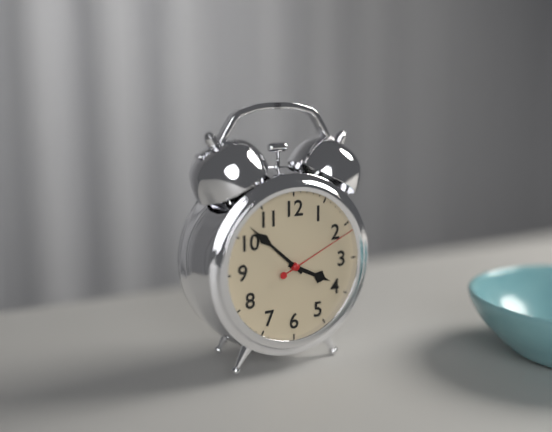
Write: 3:52:11
